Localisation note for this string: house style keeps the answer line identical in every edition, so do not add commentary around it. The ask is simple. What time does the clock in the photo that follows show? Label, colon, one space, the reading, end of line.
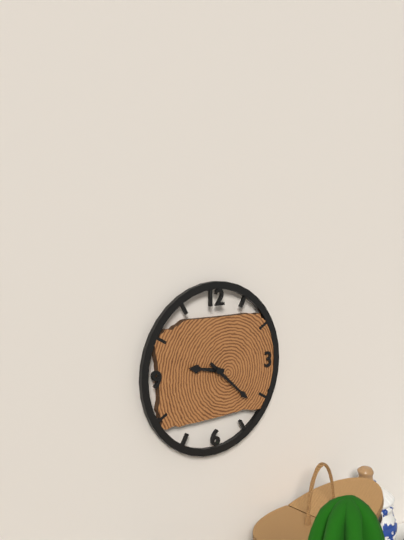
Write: 9:22
